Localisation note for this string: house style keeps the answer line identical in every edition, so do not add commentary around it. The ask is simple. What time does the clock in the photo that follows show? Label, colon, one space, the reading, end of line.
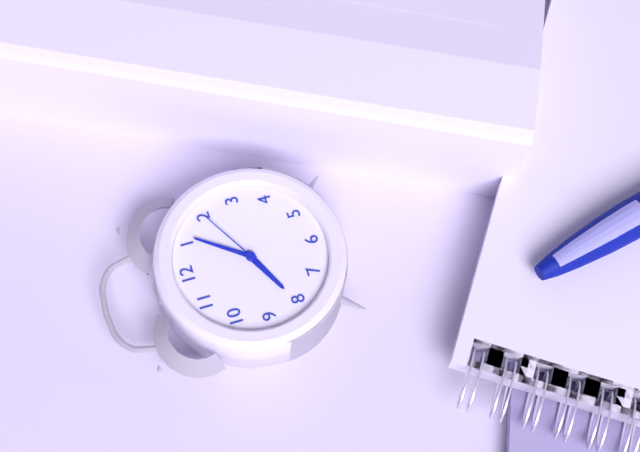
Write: 8:06:10
